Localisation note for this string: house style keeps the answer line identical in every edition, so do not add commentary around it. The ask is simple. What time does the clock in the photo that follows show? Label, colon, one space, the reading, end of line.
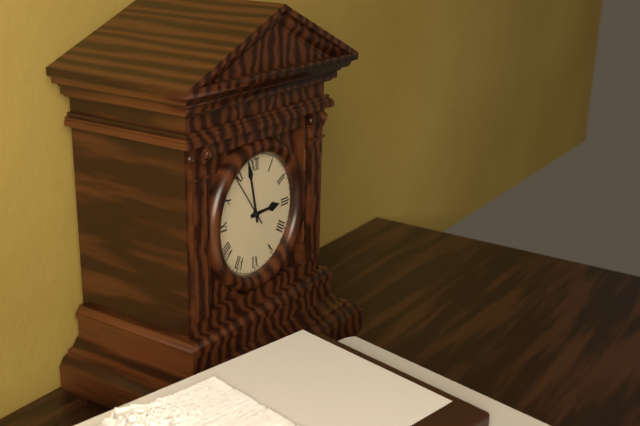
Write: 2:58:54
